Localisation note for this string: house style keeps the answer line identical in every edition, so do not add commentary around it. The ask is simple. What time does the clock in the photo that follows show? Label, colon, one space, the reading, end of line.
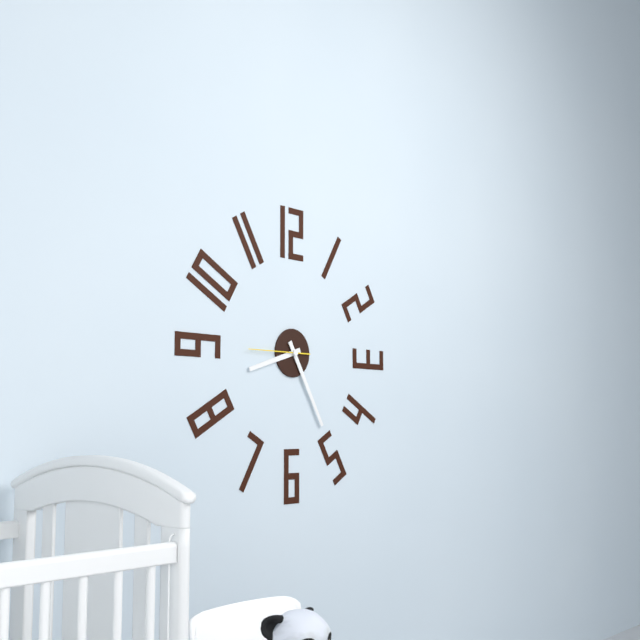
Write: 8:25:45
